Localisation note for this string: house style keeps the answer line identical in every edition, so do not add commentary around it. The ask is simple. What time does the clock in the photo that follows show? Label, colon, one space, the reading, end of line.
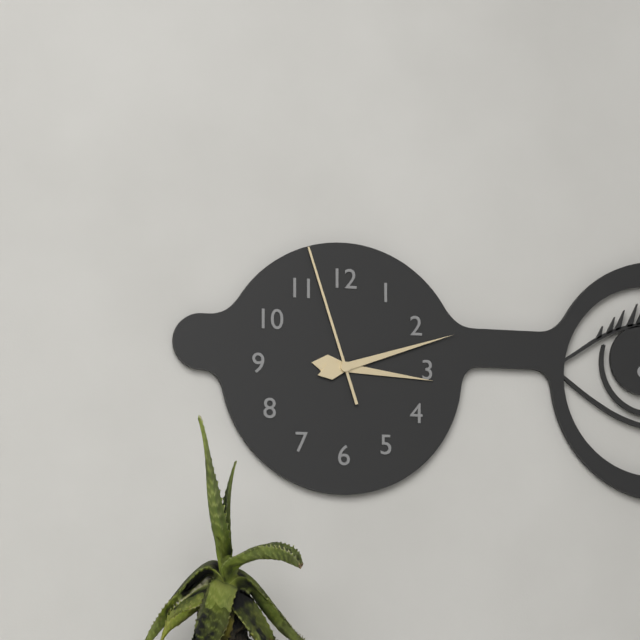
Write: 3:12:57
